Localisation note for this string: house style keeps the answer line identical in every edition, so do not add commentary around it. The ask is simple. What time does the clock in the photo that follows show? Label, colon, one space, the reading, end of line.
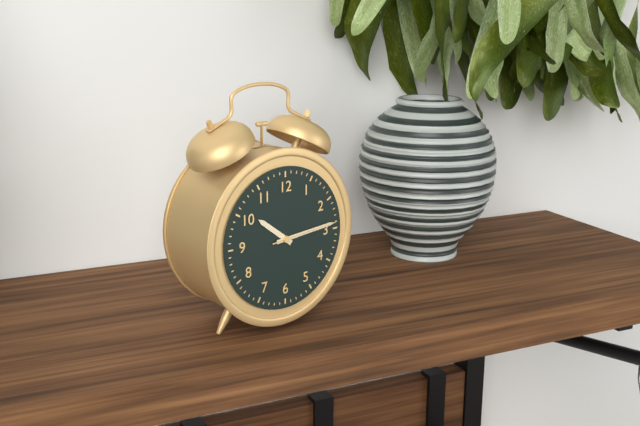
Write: 10:14:14
